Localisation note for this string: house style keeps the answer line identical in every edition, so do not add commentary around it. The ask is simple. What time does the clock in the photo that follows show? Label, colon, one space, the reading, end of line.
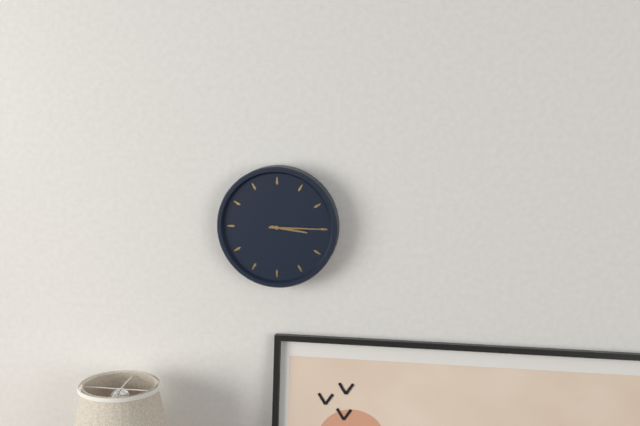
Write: 3:15
